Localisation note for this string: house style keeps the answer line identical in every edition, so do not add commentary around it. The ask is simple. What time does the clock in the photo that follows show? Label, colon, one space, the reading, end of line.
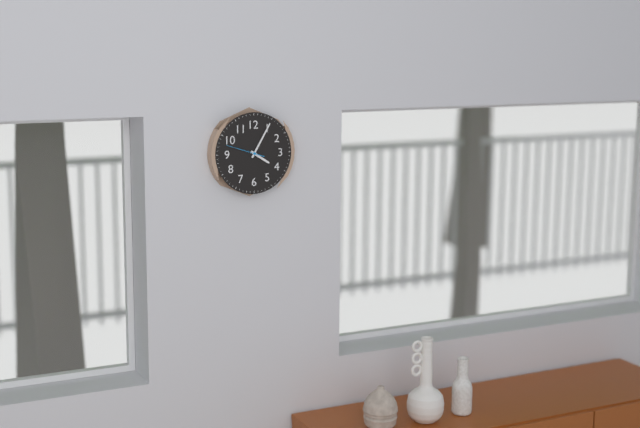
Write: 4:05
